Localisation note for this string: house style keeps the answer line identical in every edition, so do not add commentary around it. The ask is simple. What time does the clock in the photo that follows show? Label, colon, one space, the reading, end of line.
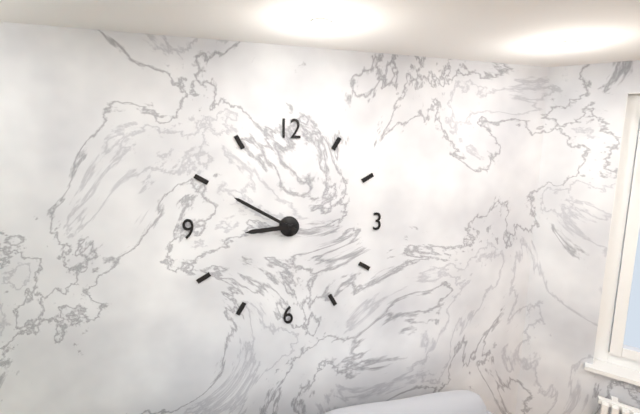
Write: 8:50
